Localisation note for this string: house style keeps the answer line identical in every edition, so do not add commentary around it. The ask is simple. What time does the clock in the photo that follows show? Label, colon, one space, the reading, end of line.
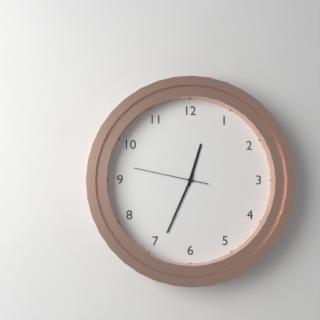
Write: 12:34:47
